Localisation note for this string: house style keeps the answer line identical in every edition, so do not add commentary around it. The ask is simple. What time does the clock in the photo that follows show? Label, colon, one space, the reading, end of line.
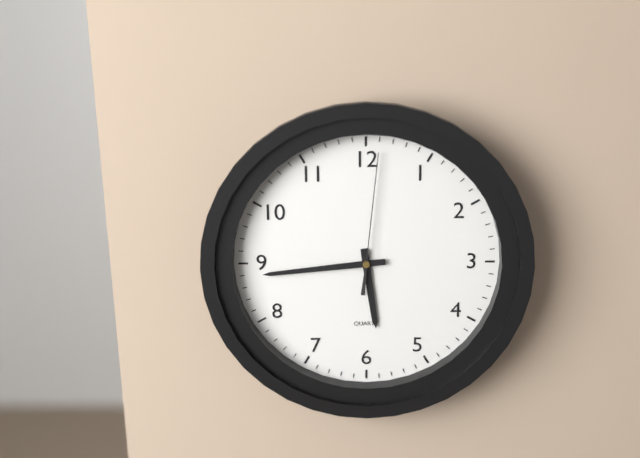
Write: 5:44:01
